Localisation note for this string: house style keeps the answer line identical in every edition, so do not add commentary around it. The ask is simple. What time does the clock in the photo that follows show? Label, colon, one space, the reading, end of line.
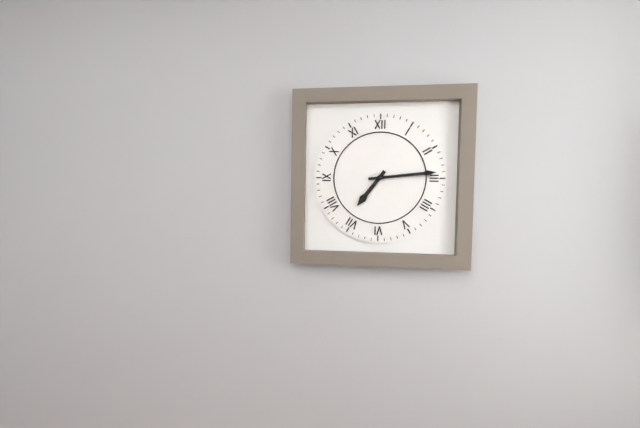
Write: 7:14
